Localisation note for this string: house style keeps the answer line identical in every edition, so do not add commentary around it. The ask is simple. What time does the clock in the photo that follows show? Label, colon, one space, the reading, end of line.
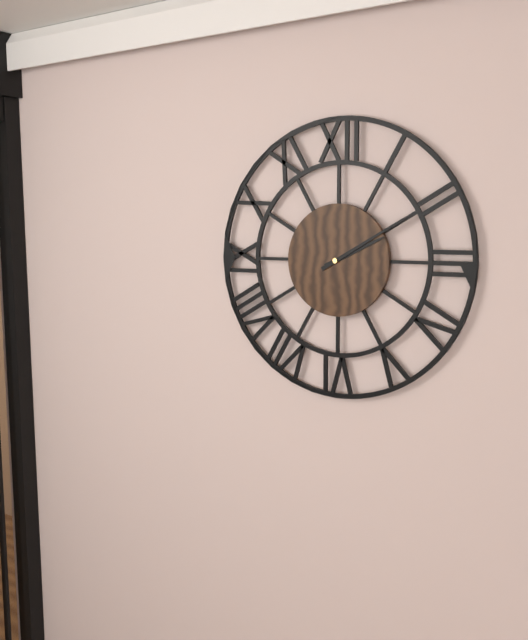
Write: 2:10
